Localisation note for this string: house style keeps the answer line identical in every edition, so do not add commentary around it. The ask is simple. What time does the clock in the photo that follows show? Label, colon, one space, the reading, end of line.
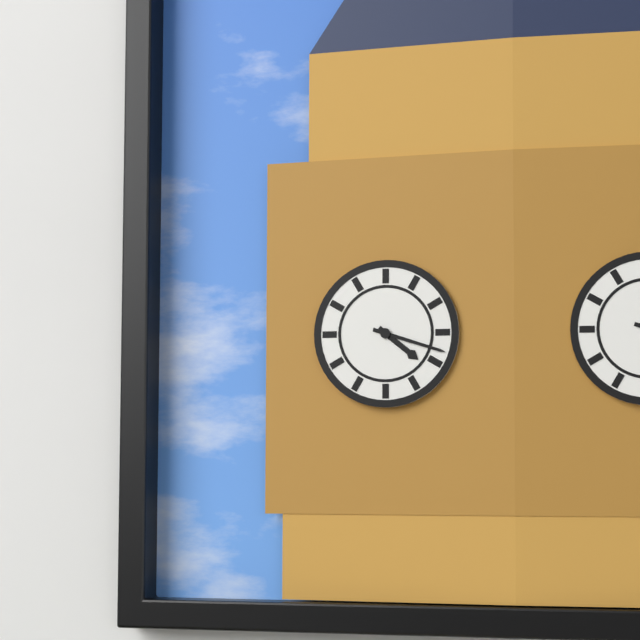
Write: 4:18
